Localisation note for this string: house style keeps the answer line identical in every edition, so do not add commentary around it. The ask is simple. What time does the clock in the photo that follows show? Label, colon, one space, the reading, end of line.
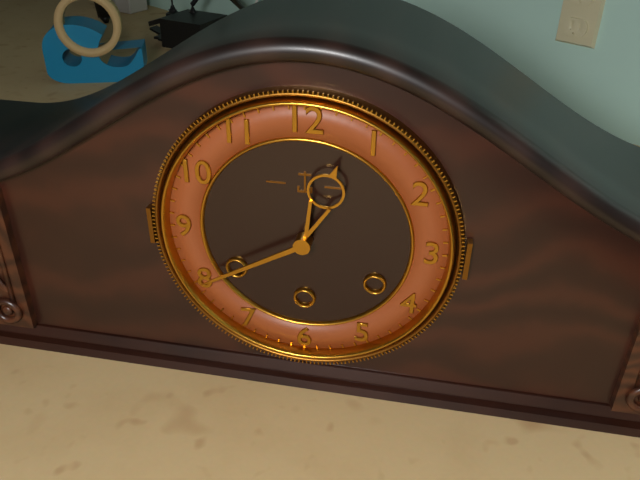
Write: 12:40
